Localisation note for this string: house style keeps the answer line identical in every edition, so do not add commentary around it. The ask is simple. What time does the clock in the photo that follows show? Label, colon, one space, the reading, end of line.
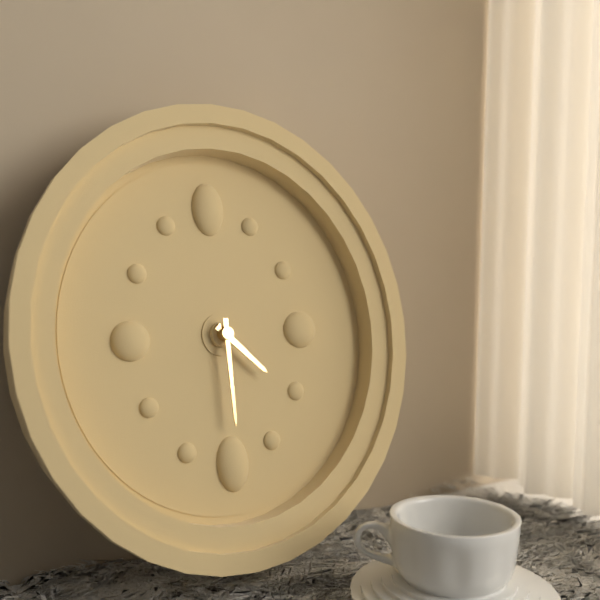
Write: 4:30
